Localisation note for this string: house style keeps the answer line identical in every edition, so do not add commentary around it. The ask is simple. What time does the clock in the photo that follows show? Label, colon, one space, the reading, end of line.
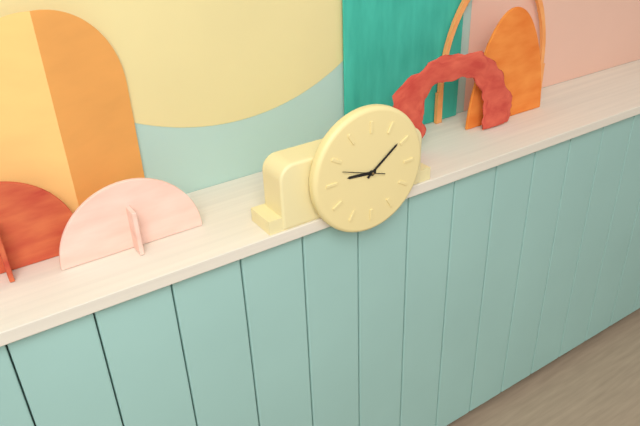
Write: 9:09
